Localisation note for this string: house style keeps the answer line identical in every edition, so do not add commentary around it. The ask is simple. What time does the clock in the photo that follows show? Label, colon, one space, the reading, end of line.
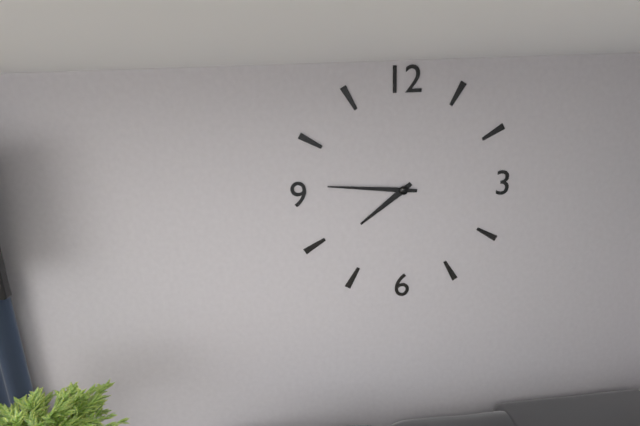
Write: 7:46
